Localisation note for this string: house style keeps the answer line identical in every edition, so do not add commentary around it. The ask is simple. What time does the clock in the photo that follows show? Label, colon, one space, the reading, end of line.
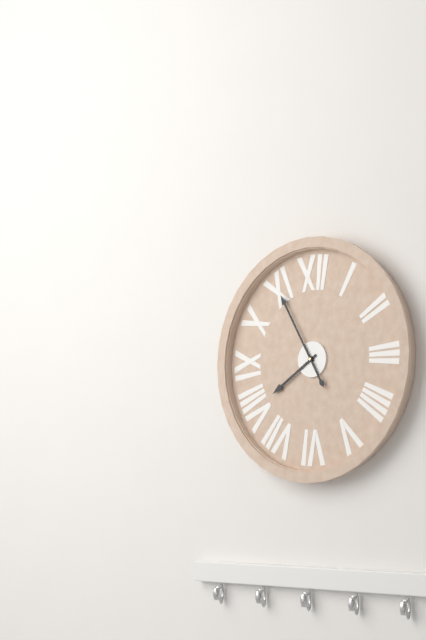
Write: 7:55
